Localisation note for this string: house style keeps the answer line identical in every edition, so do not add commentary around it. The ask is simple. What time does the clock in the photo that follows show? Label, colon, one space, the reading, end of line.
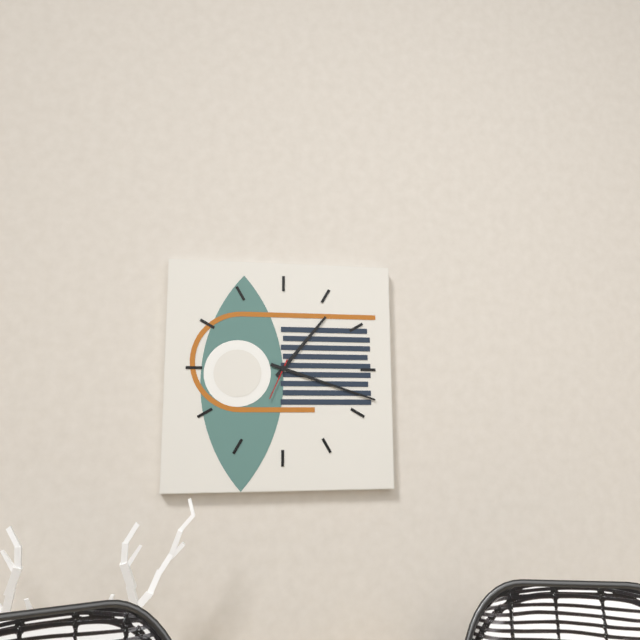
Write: 1:18
